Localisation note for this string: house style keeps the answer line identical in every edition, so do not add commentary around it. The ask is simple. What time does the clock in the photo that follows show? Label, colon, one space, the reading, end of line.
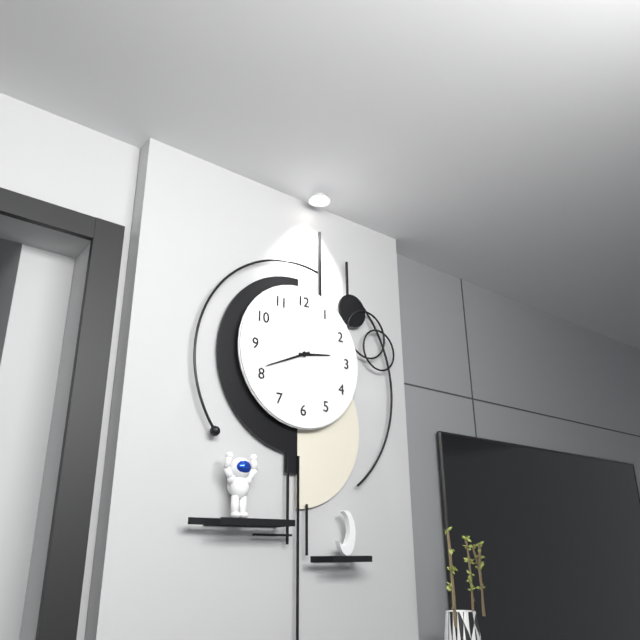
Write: 2:41
